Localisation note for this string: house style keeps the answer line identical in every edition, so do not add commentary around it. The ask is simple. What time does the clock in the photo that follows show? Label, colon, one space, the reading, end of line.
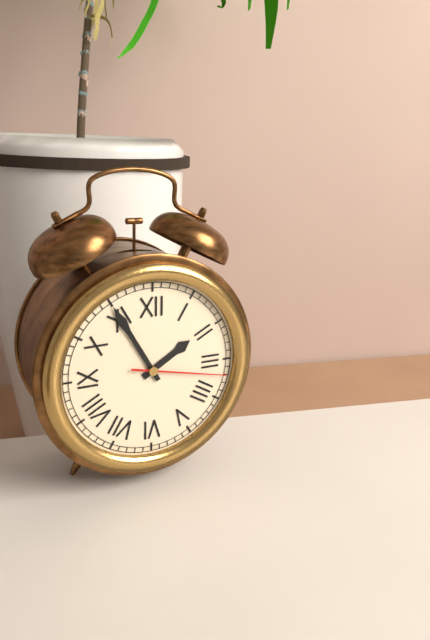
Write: 1:55:17
